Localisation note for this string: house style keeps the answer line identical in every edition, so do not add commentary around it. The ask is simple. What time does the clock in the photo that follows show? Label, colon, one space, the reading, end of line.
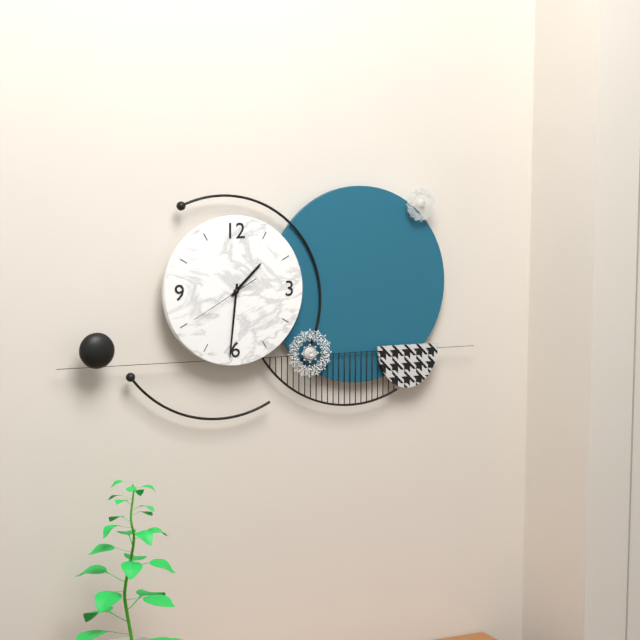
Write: 1:31:40
